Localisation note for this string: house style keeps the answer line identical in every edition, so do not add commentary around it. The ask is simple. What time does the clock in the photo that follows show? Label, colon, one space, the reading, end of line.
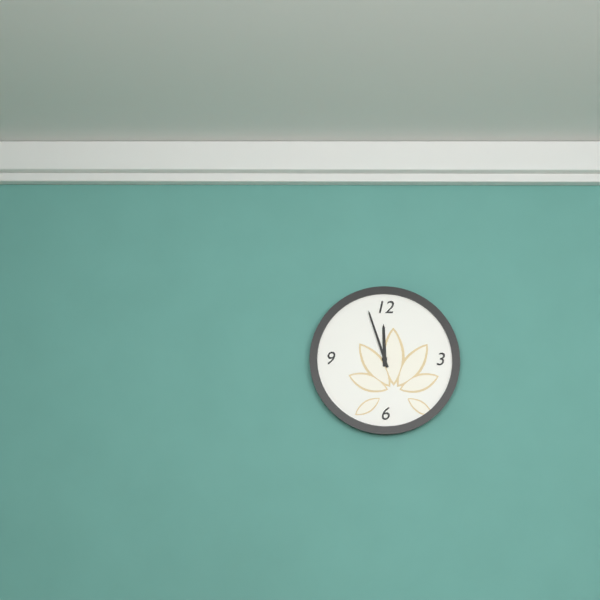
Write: 11:57
